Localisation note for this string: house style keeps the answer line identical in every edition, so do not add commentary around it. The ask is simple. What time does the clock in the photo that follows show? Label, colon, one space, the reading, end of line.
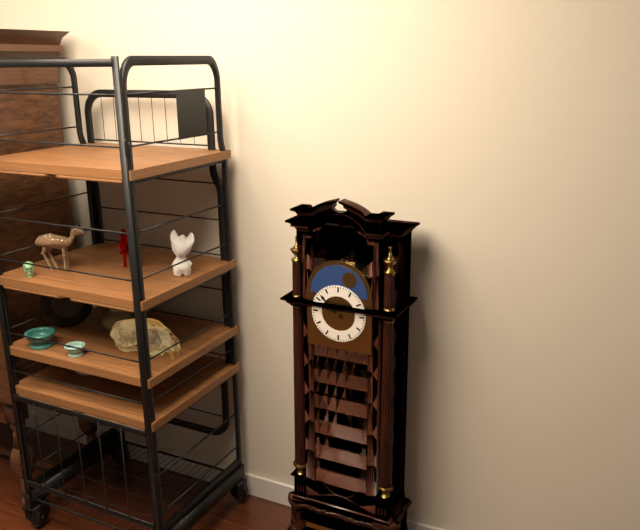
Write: 9:52
